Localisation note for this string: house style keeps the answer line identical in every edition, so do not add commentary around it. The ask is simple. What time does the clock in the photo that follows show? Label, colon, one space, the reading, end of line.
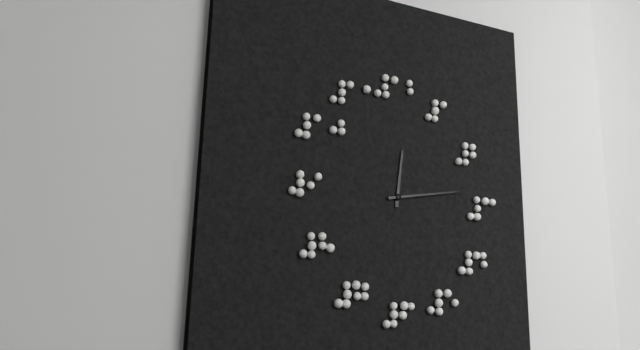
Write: 12:13
